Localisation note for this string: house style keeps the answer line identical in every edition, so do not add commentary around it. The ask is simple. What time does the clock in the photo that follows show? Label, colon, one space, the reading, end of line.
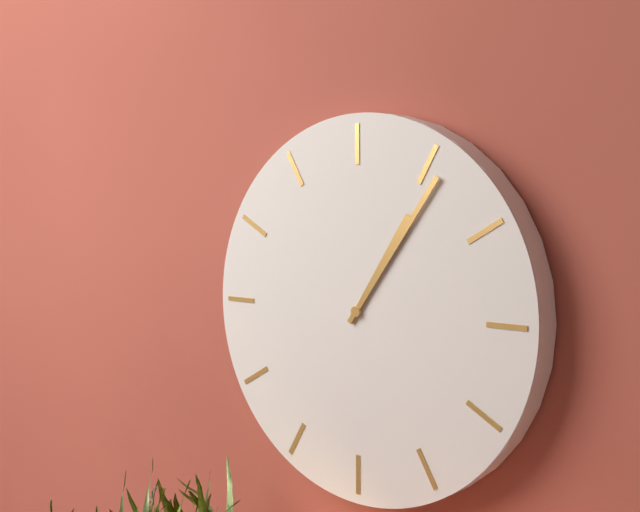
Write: 1:06
